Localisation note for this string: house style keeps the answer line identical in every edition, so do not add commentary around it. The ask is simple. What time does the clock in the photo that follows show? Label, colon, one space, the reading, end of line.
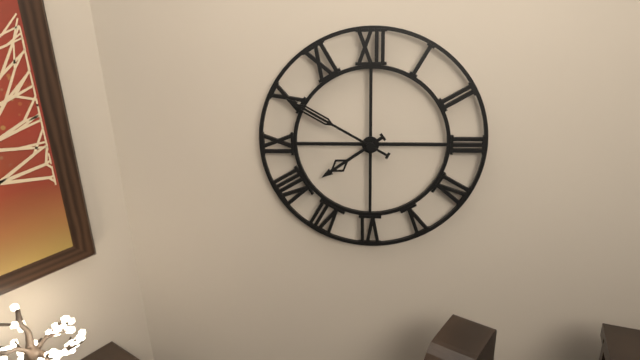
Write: 7:50
